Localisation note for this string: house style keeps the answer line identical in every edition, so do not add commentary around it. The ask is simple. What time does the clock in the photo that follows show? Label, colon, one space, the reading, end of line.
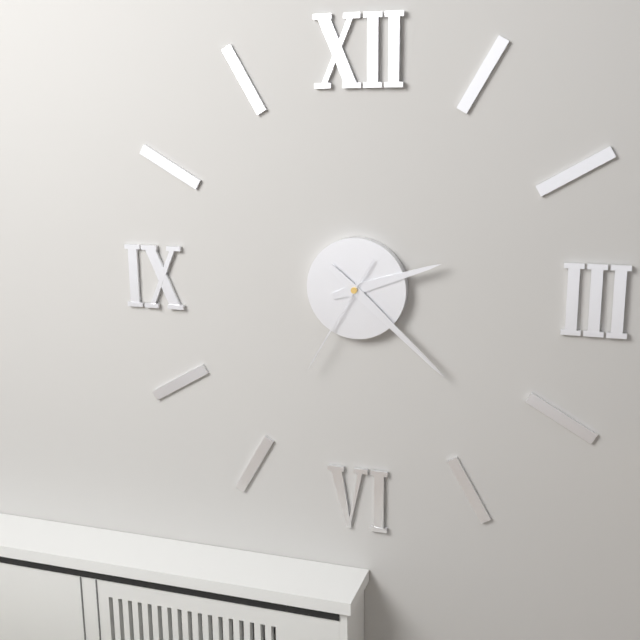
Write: 2:22:35
